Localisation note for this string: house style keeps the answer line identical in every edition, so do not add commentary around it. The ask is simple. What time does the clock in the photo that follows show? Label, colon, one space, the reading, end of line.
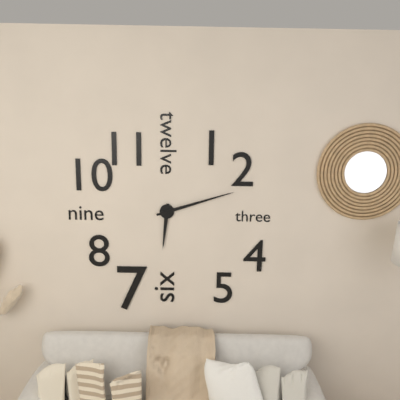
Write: 6:12
